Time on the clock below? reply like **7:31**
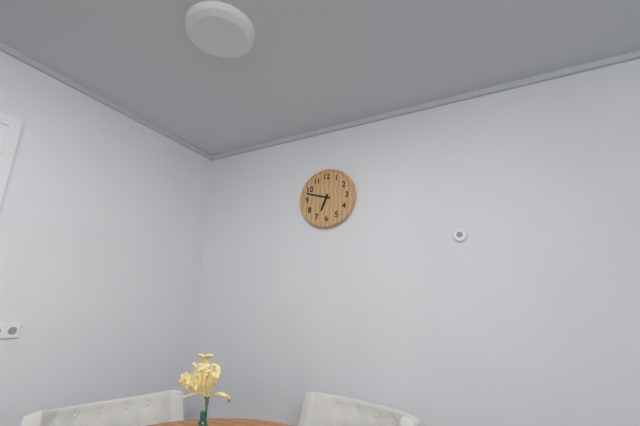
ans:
**6:48**
